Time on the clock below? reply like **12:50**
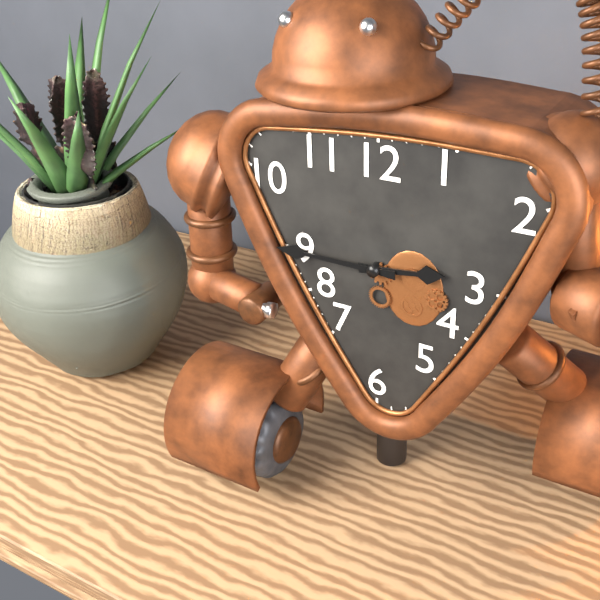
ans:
**2:45**
